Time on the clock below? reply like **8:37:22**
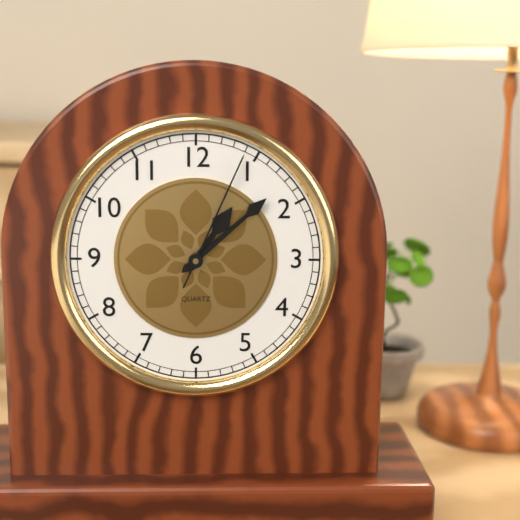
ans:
**1:08:04**
